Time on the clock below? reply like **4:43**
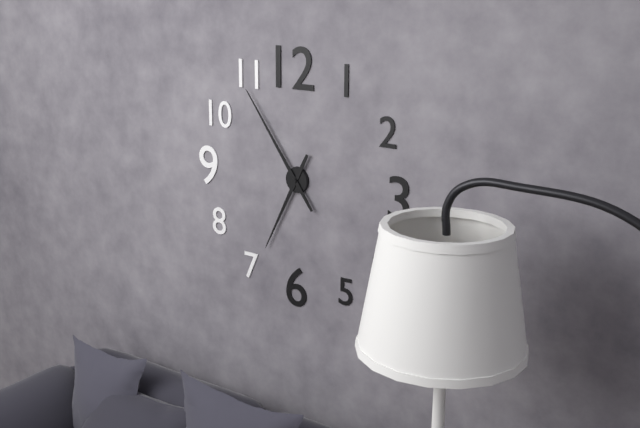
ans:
**6:54**
